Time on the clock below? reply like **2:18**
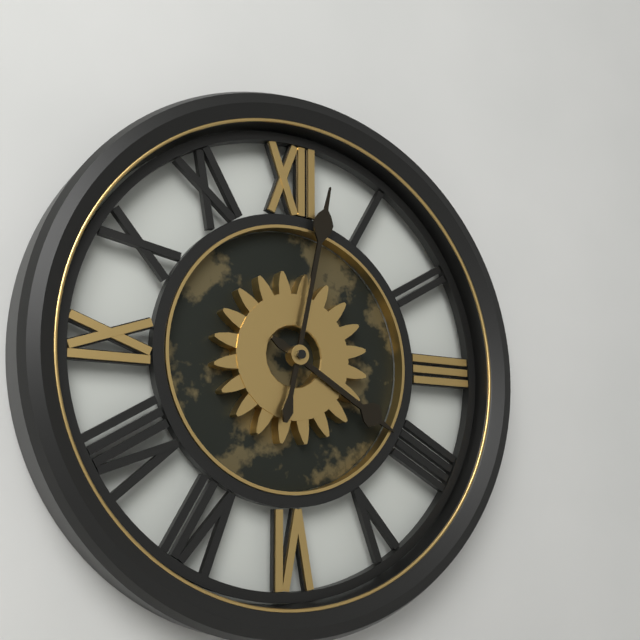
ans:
**4:02**
